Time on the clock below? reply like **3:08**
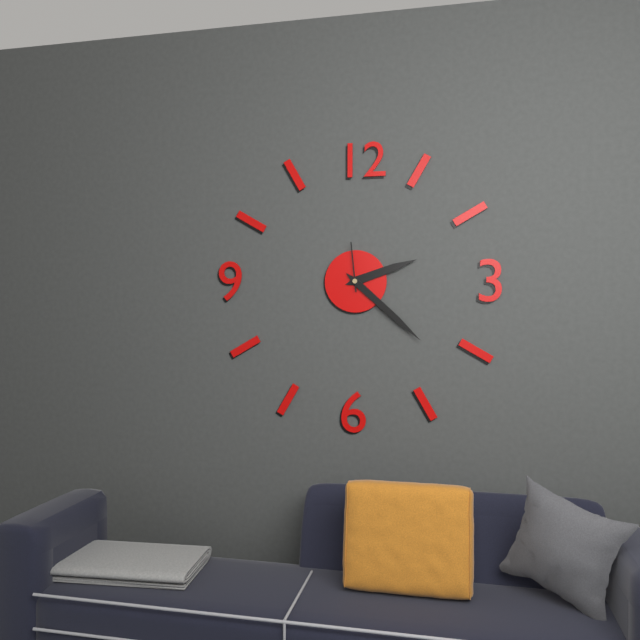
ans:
**2:22**
